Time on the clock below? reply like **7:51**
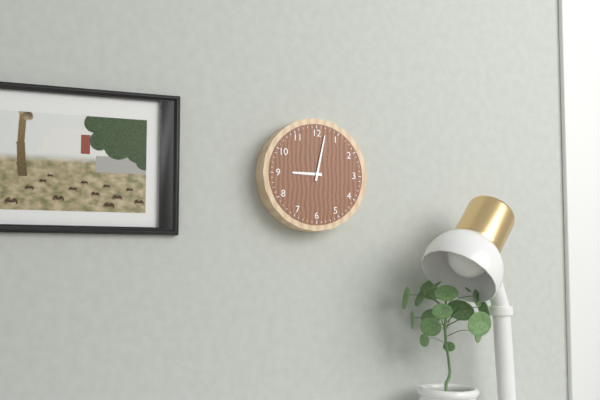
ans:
**9:02**
